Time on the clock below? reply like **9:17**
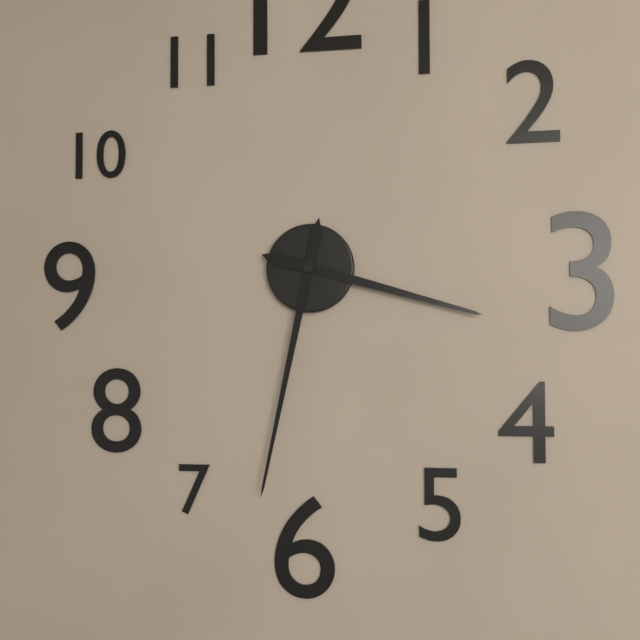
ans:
**3:32**
